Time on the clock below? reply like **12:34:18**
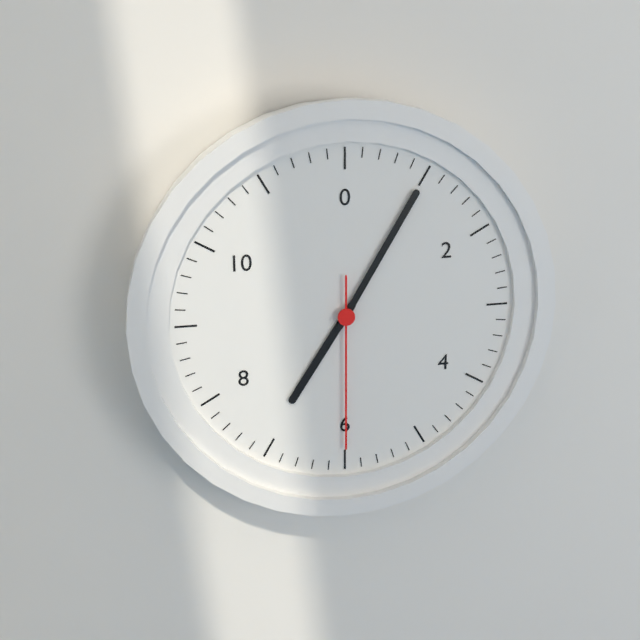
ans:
**7:05:30**
